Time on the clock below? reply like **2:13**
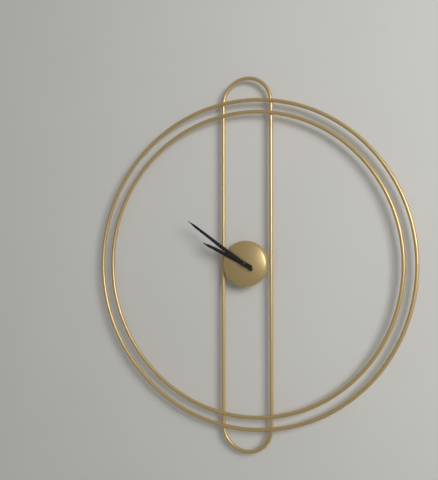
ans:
**9:51**
